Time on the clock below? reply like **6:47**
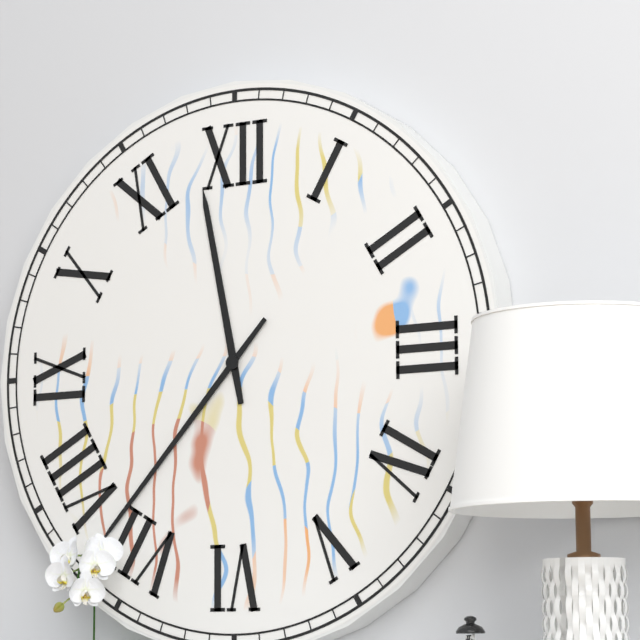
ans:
**11:37**
